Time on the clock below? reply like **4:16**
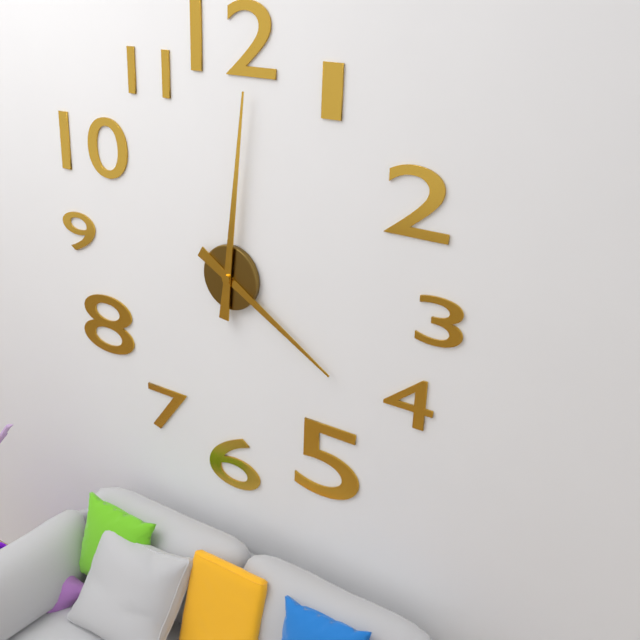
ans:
**4:01**
